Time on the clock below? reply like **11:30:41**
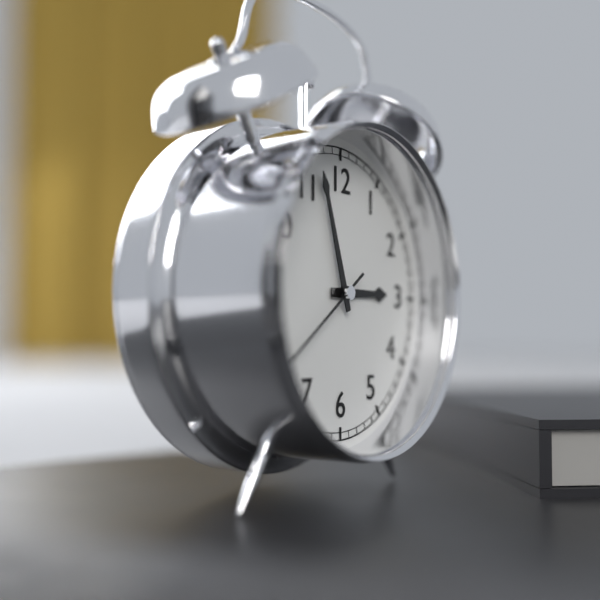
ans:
**2:57:39**
